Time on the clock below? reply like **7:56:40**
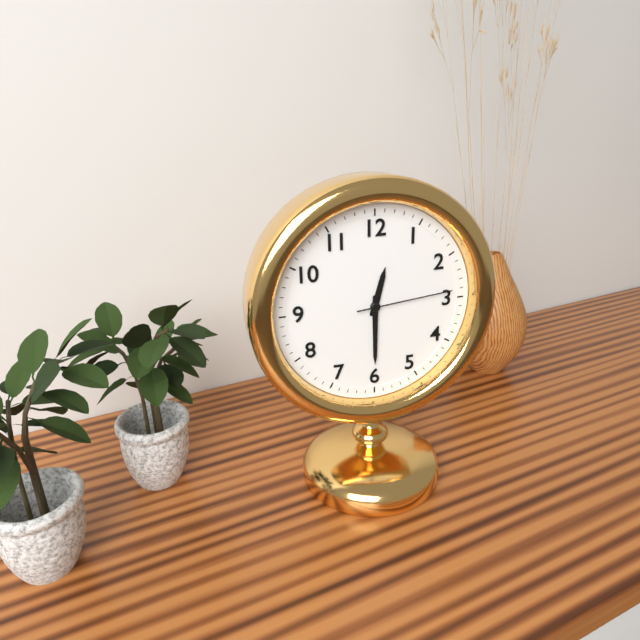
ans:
**12:30:14**
